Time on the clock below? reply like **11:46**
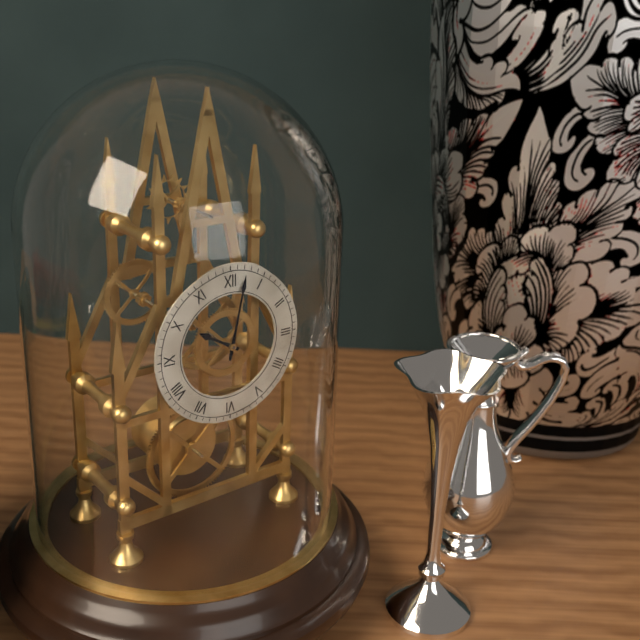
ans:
**10:02**
